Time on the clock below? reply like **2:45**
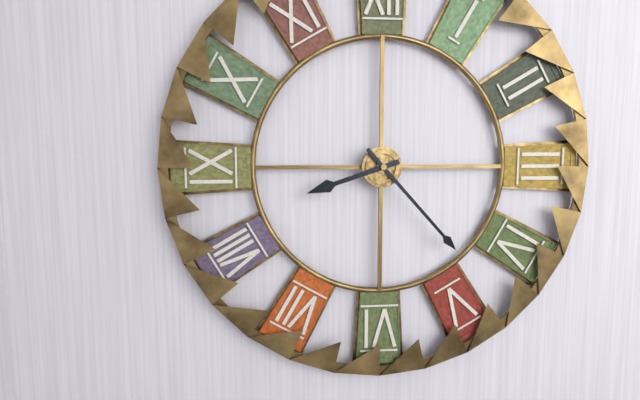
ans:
**8:23**
